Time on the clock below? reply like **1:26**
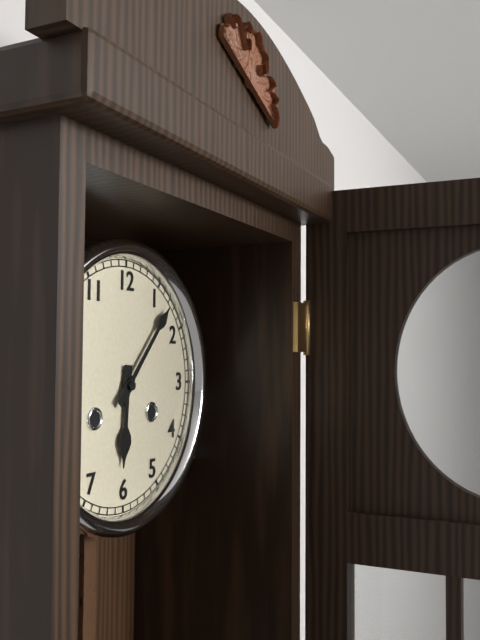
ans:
**6:07**
